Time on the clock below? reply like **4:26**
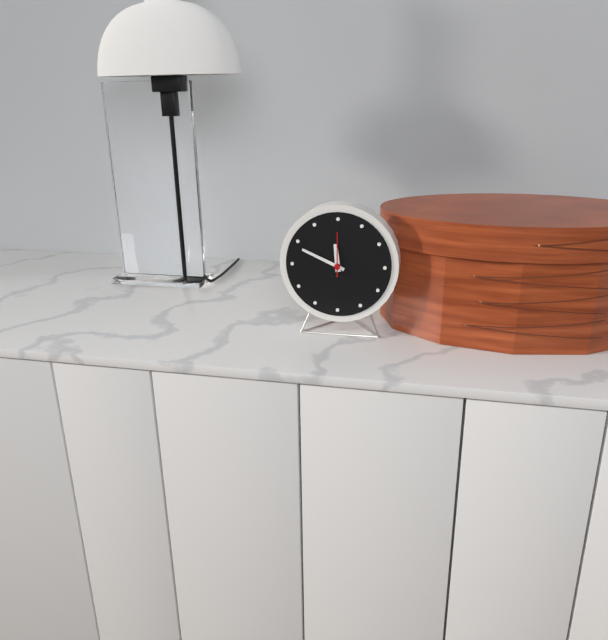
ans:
**11:49**
